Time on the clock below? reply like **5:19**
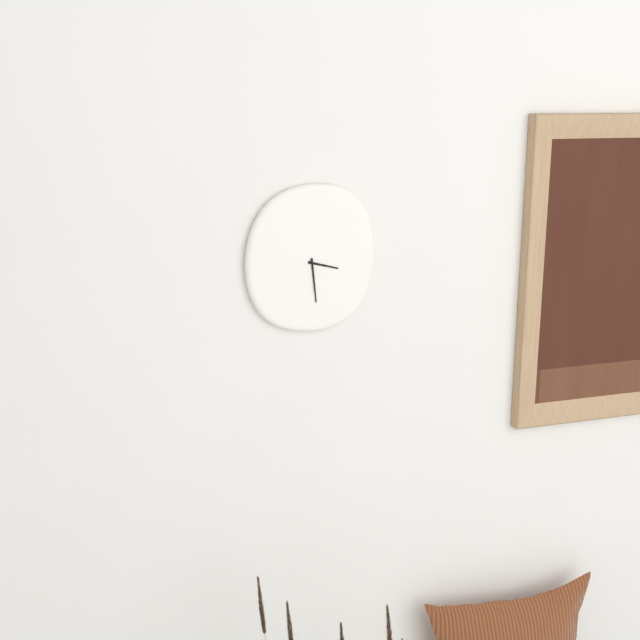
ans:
**3:29**
